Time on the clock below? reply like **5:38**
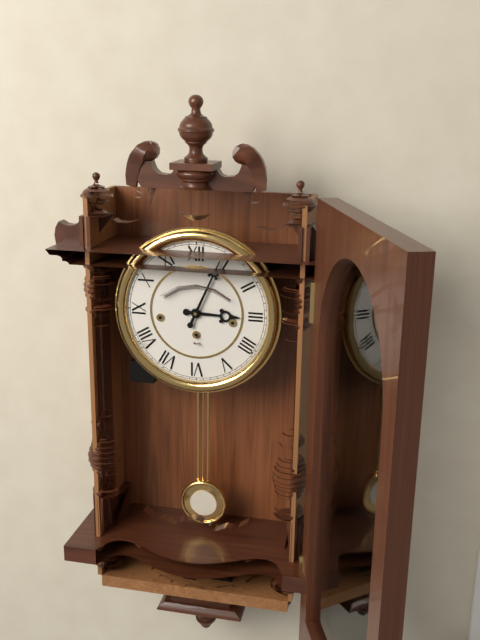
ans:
**3:04**
